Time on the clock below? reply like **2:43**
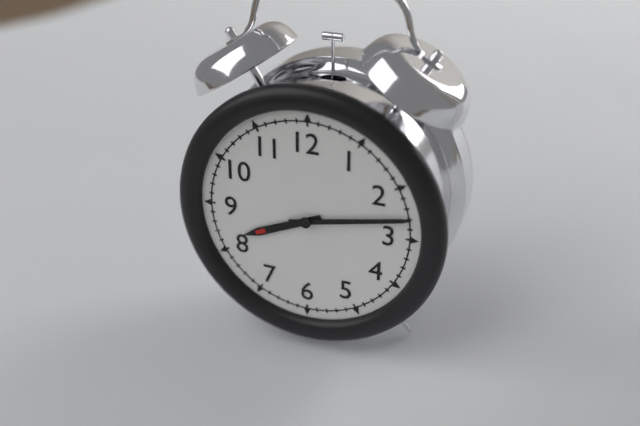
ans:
**8:13**
